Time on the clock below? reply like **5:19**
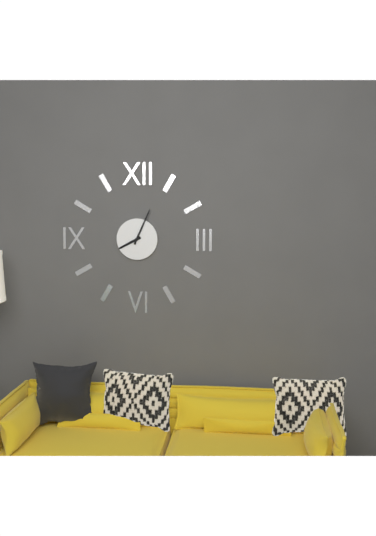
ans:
**8:04**
